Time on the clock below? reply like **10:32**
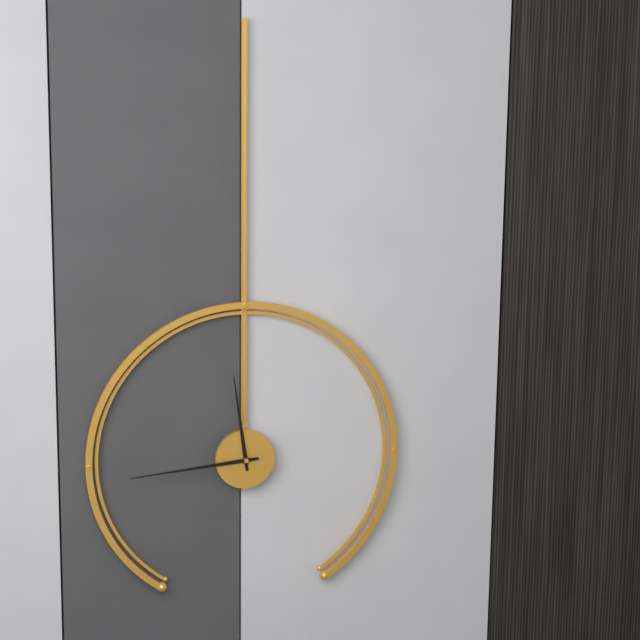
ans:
**11:44**
